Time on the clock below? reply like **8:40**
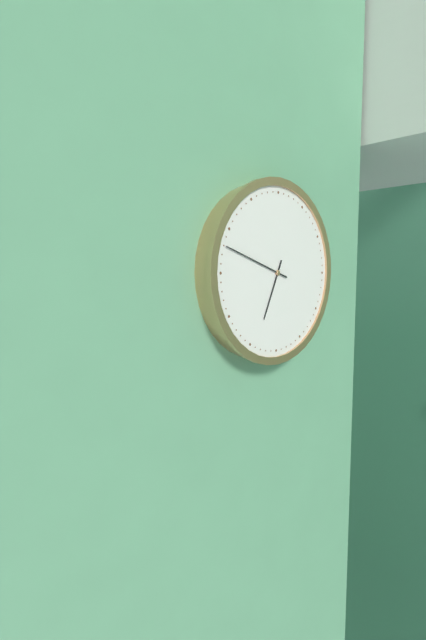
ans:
**6:48**
